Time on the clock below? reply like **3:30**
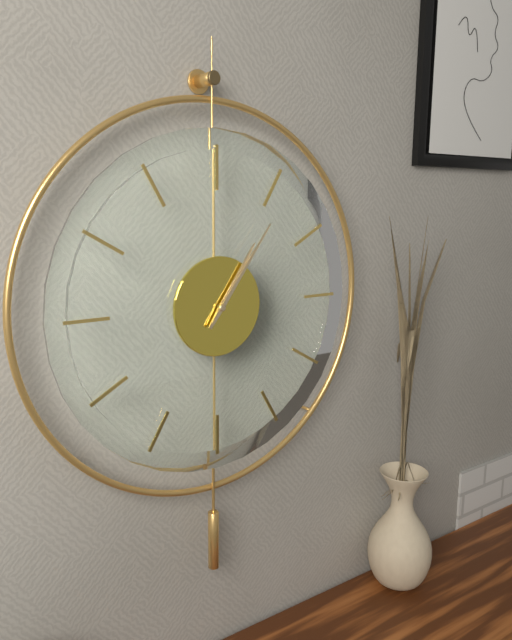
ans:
**1:06**
